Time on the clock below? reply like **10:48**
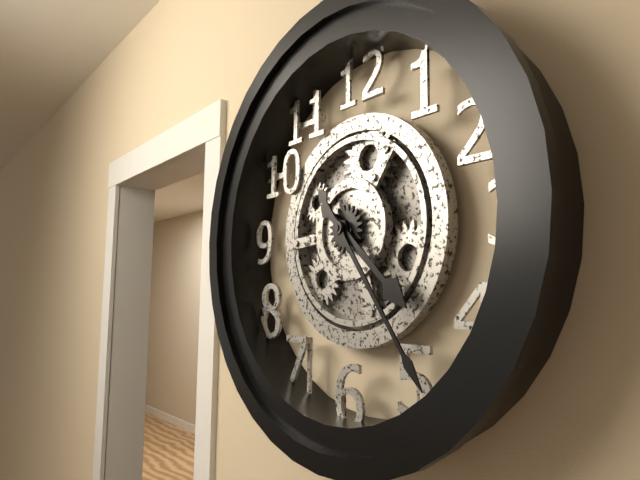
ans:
**4:24**
